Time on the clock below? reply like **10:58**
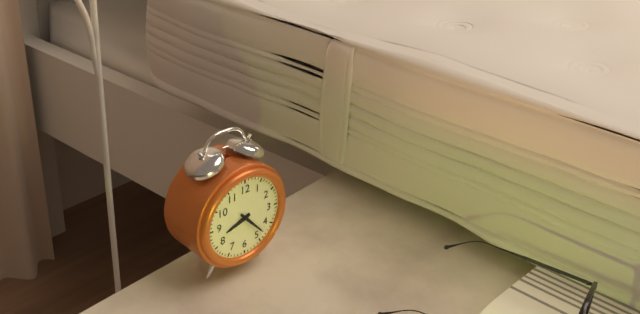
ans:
**8:23**
